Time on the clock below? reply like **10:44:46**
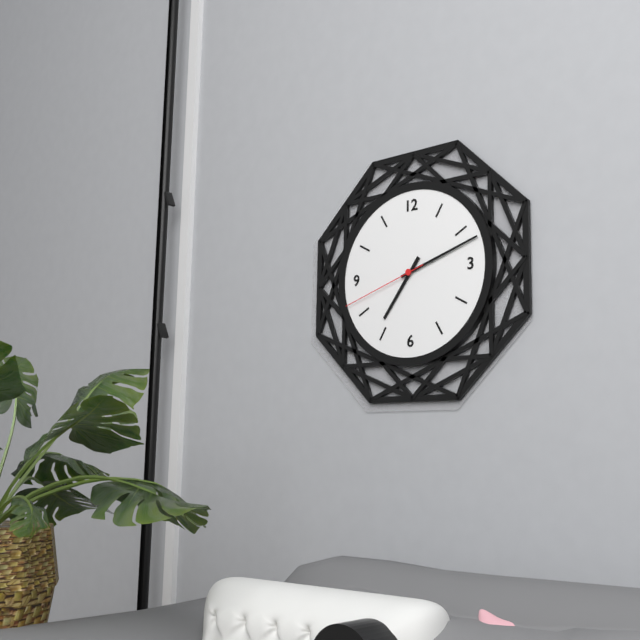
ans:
**7:12:42**
